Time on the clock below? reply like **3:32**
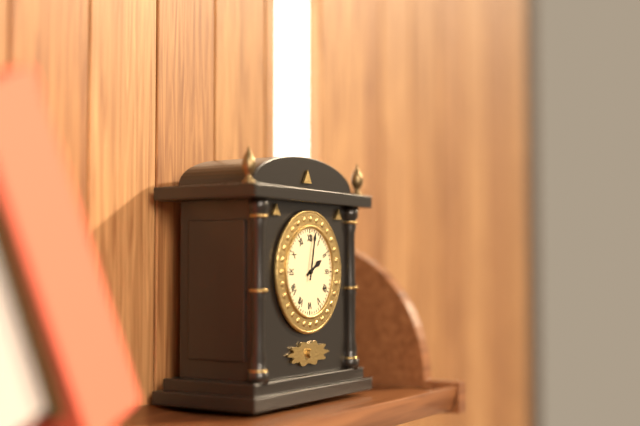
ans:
**2:02**
